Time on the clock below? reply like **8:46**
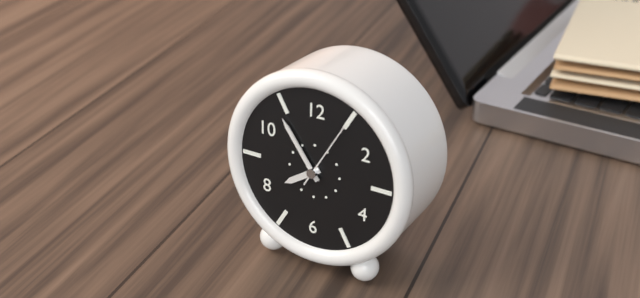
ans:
**7:54**
